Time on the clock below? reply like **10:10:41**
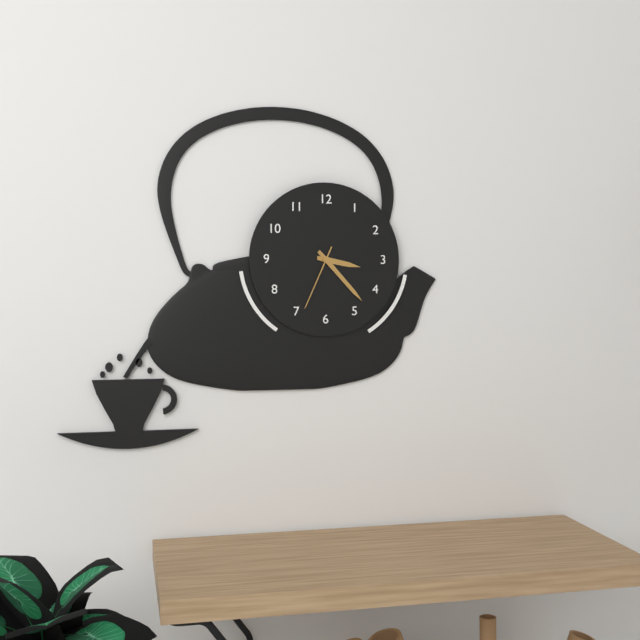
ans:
**3:23:34**
